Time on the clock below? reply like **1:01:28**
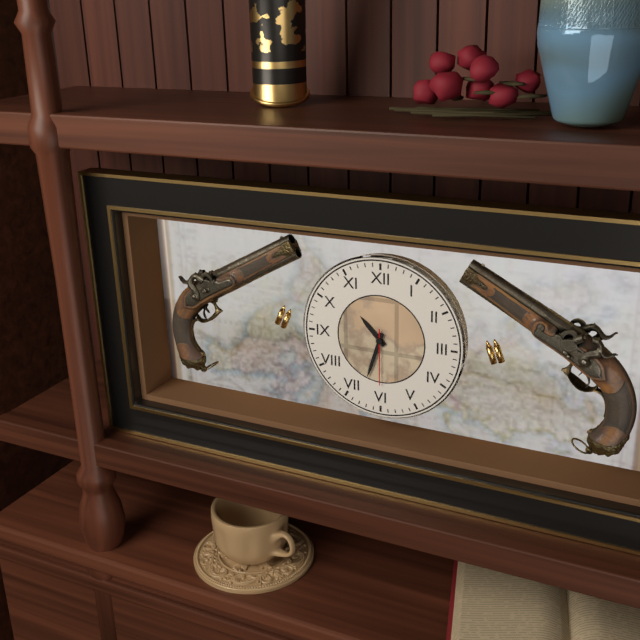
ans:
**10:33:30**
